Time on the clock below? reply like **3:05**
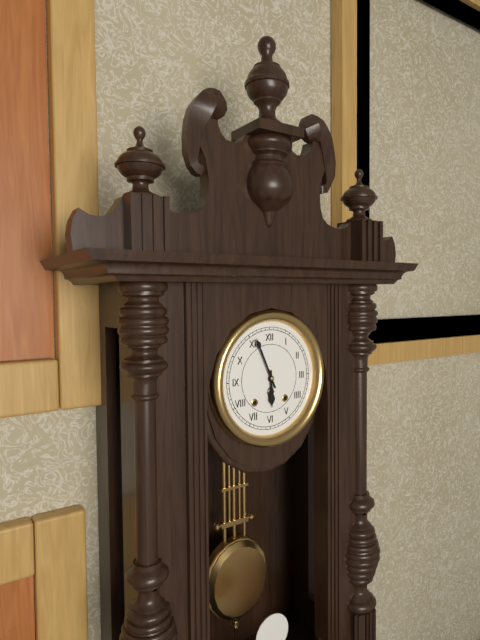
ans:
**5:56**
